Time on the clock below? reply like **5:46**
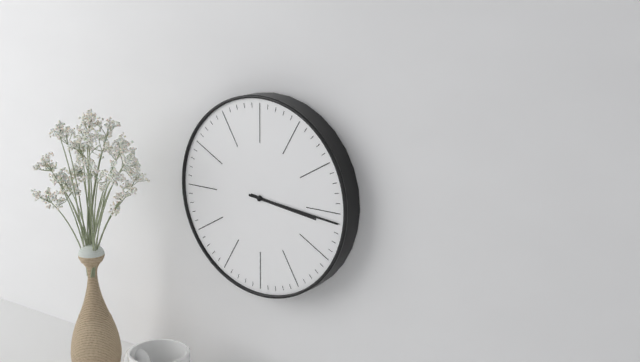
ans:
**3:16**
